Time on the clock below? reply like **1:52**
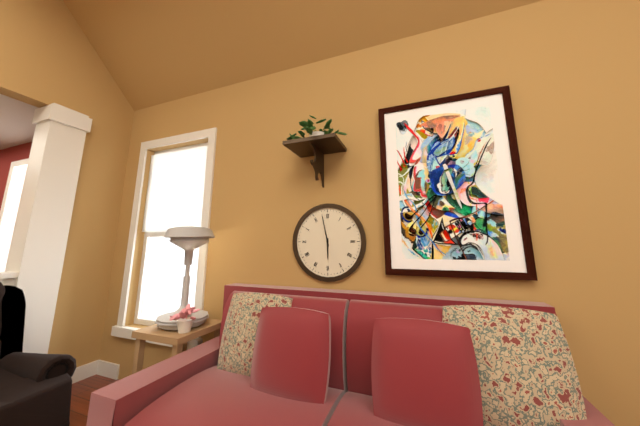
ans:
**5:58**
